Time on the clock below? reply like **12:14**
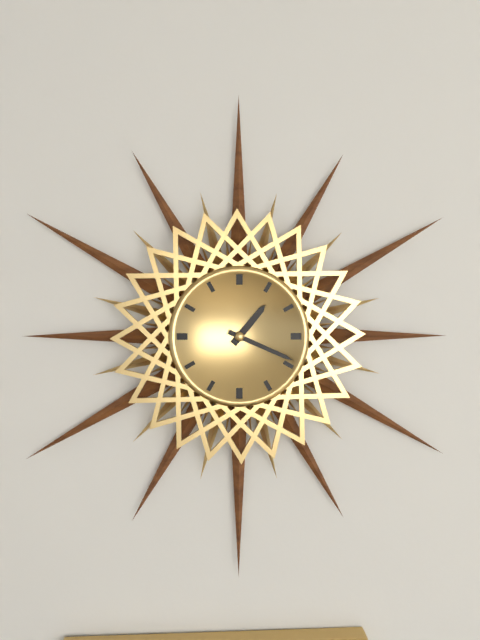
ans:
**1:19**
